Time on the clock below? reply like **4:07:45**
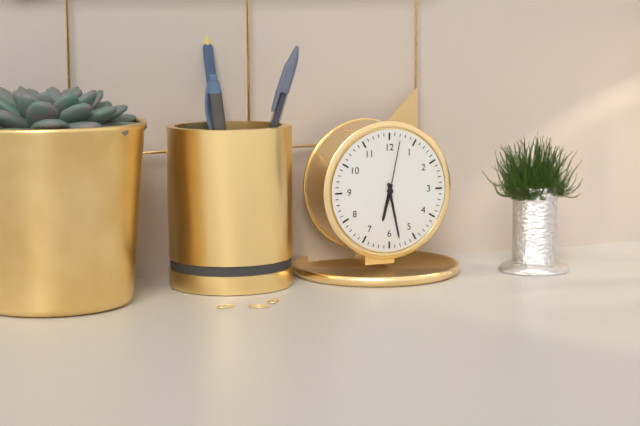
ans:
**6:28:02**
